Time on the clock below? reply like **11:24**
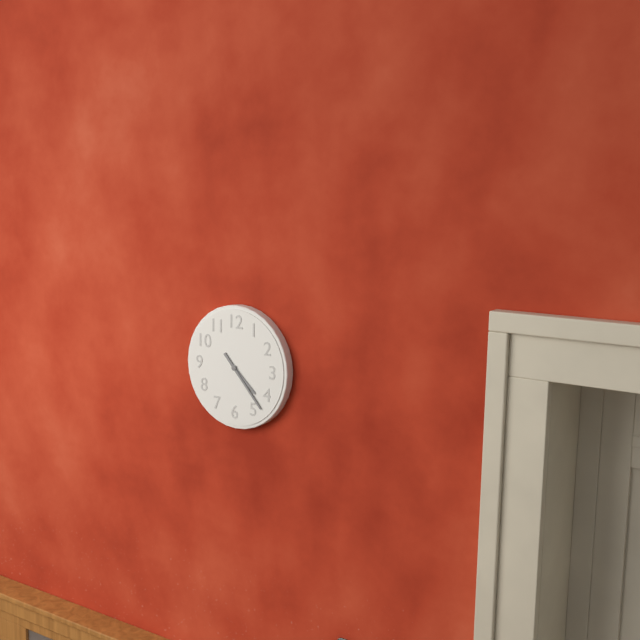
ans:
**4:23**
